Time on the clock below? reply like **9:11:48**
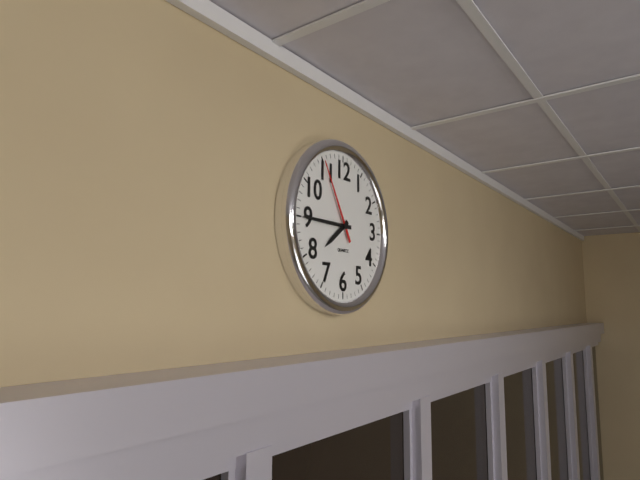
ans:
**7:45:55**
